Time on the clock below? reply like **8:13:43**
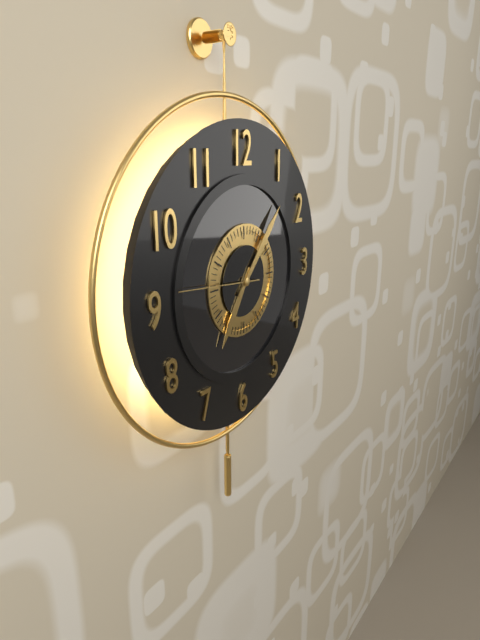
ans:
**7:07:46**
